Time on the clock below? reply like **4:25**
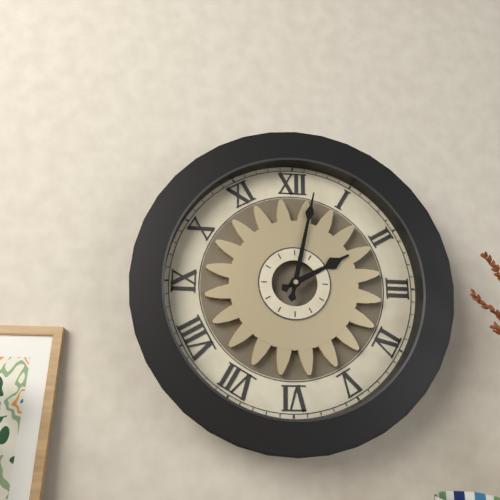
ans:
**2:02**
